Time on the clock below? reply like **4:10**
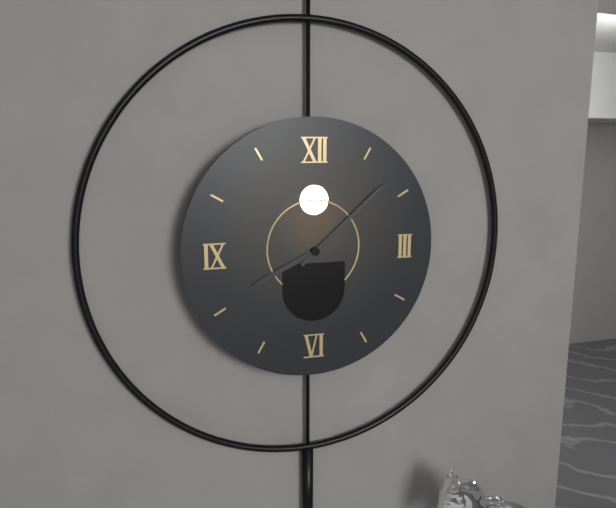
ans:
**8:08**
